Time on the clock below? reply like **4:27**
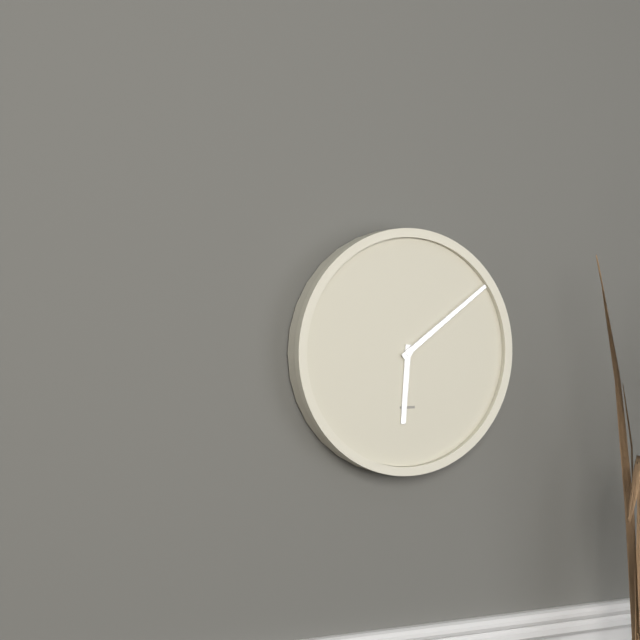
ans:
**6:09**
